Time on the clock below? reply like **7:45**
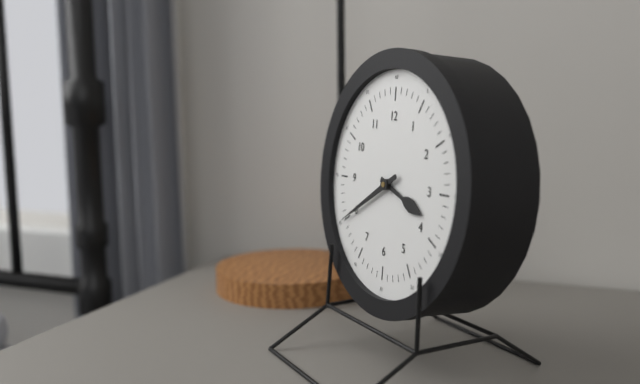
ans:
**3:40**
